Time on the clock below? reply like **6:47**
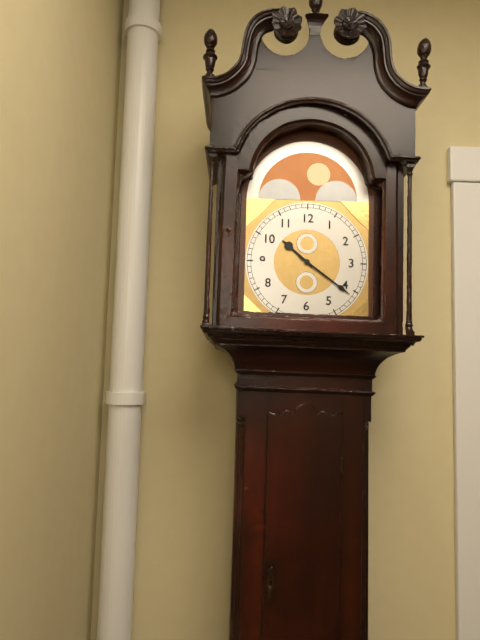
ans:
**10:21**
